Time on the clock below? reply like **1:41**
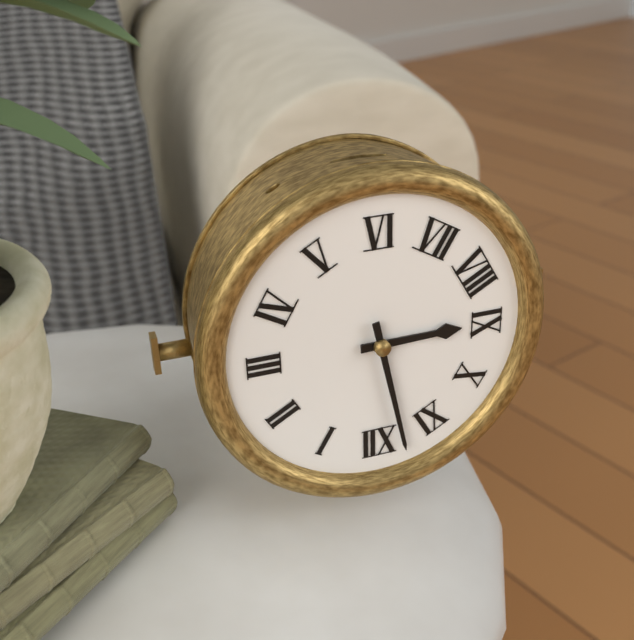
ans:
**8:58**
